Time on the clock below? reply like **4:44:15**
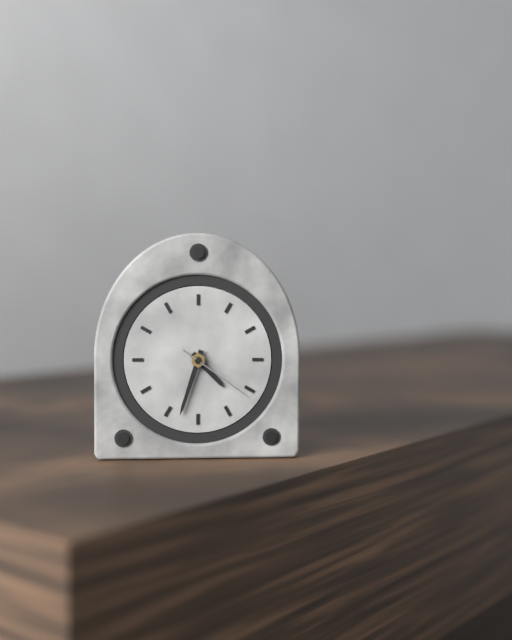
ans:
**4:33:21**
